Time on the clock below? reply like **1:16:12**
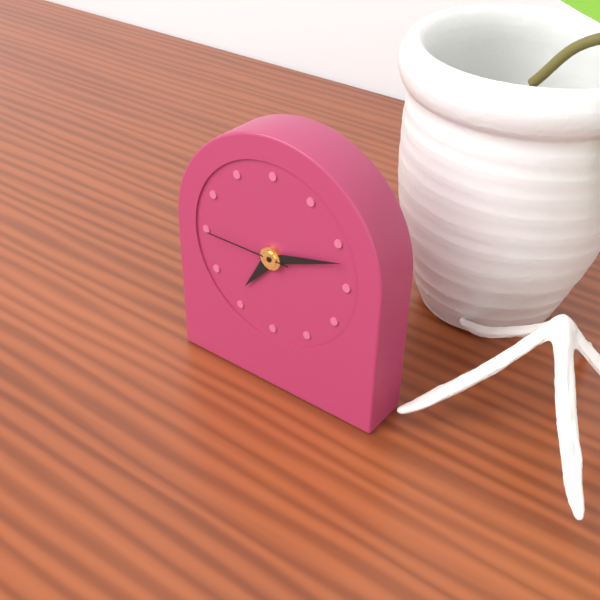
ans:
**7:12:45**
